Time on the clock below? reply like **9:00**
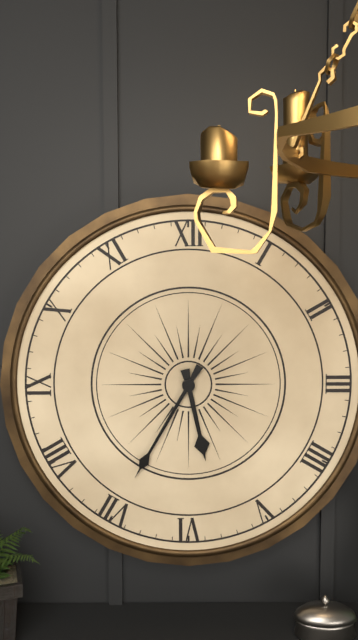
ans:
**5:35**
